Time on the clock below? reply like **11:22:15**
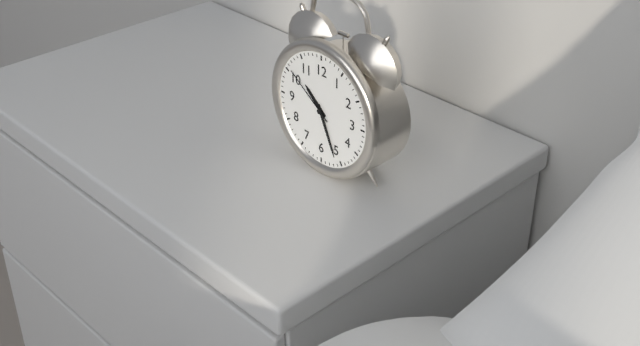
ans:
**10:26:51**
